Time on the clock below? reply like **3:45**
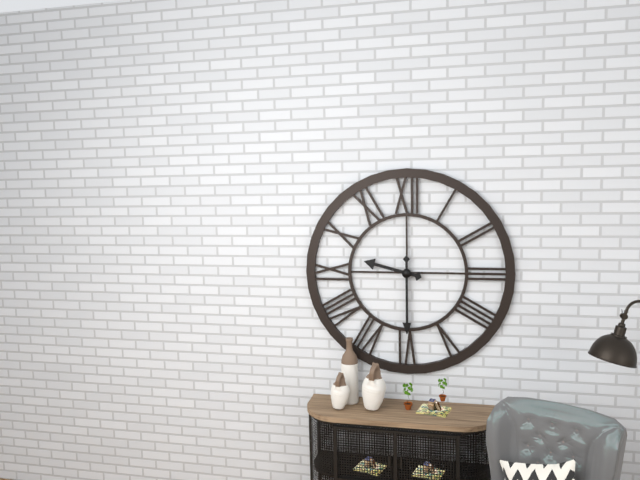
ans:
**9:30**
